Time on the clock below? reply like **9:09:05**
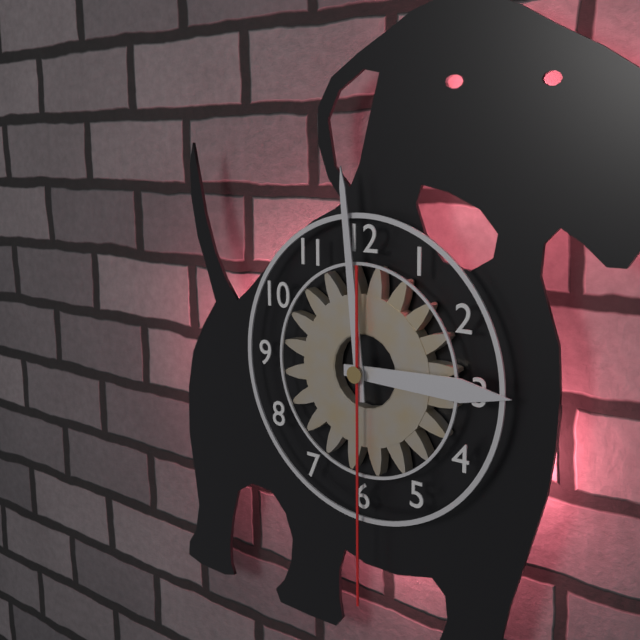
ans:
**2:59:30**
